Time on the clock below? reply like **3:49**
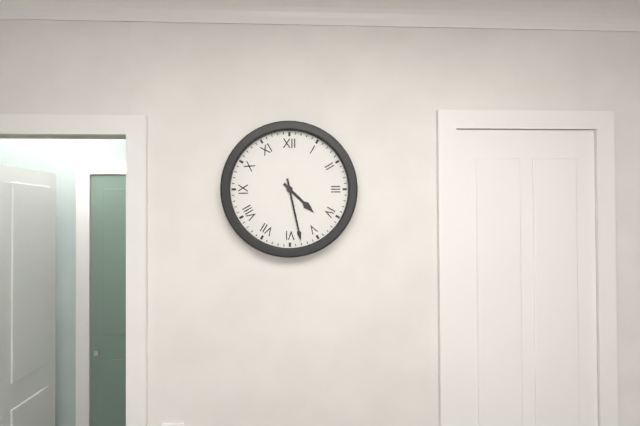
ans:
**4:28**
